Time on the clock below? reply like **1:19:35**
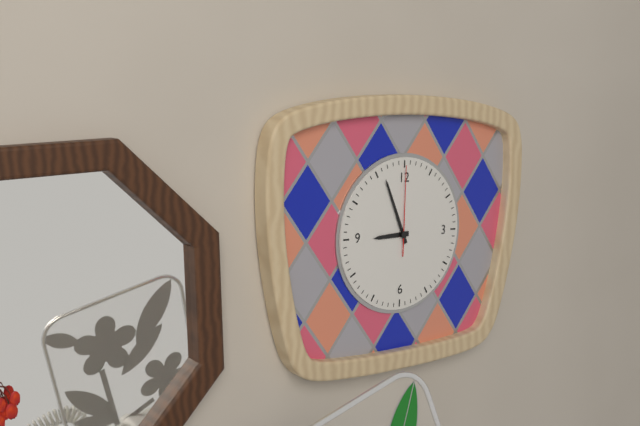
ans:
**8:56:00**
